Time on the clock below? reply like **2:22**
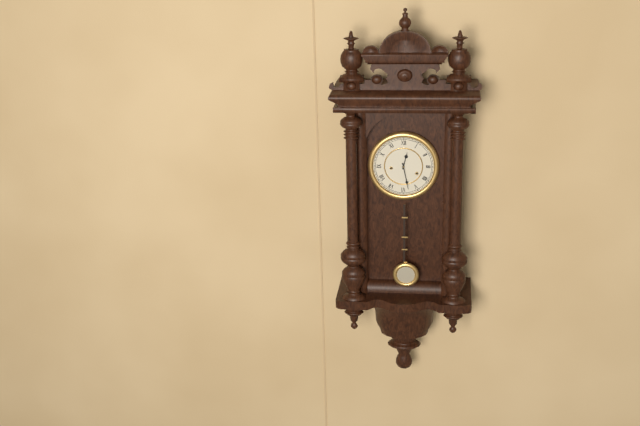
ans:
**12:28**
